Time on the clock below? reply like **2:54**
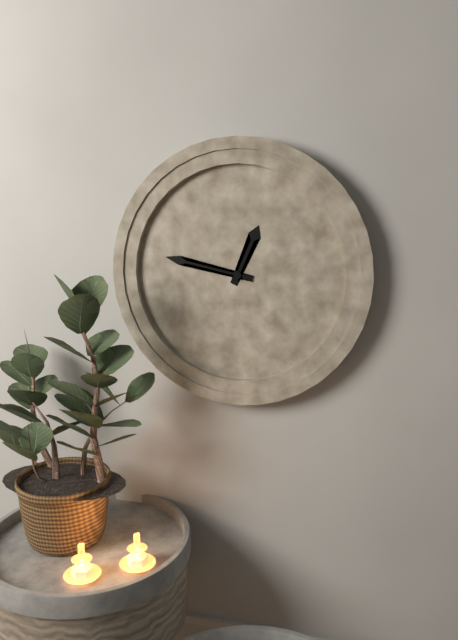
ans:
**12:47**
